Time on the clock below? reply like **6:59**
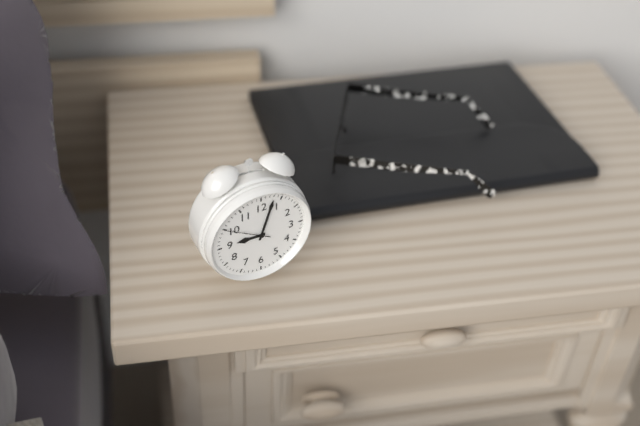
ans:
**9:03**
